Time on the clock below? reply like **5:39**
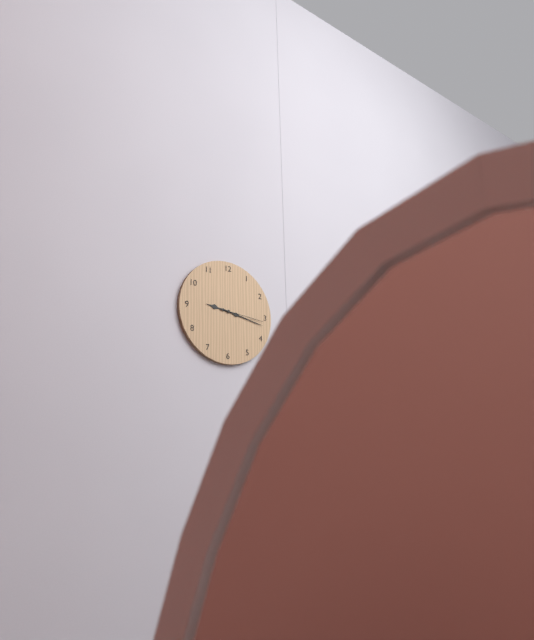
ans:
**9:17**
